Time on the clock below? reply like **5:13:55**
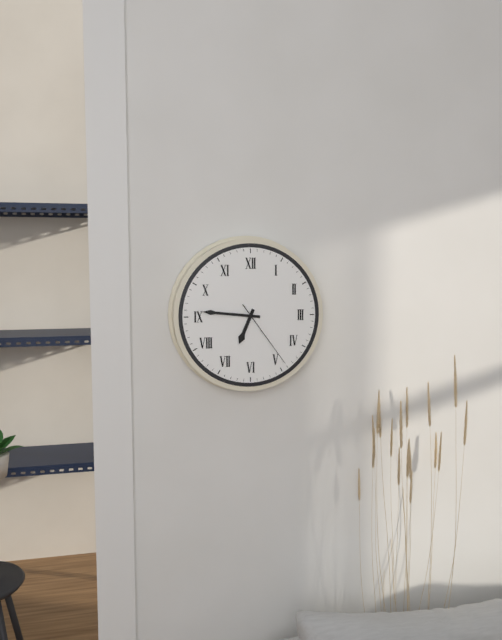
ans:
**6:46:24**
